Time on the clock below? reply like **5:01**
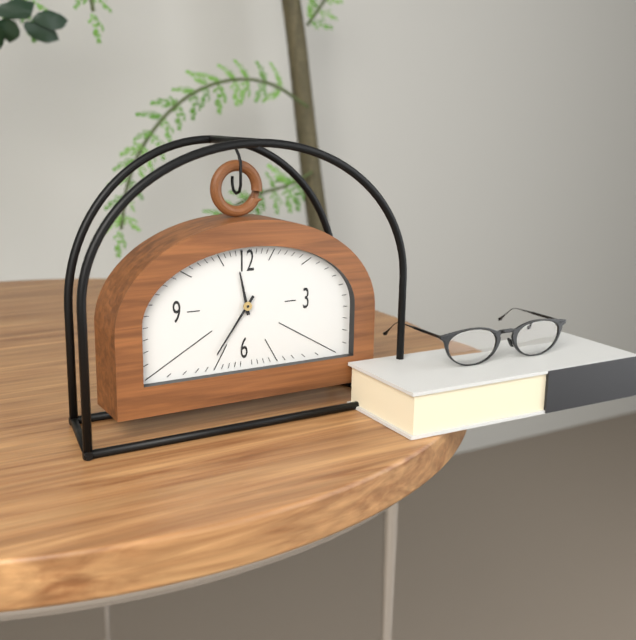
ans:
**11:36**
